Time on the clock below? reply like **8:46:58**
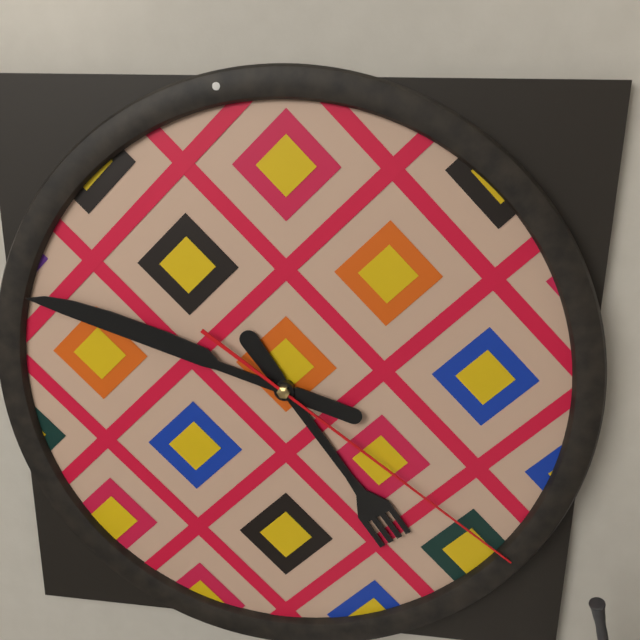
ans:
**4:48:21**
